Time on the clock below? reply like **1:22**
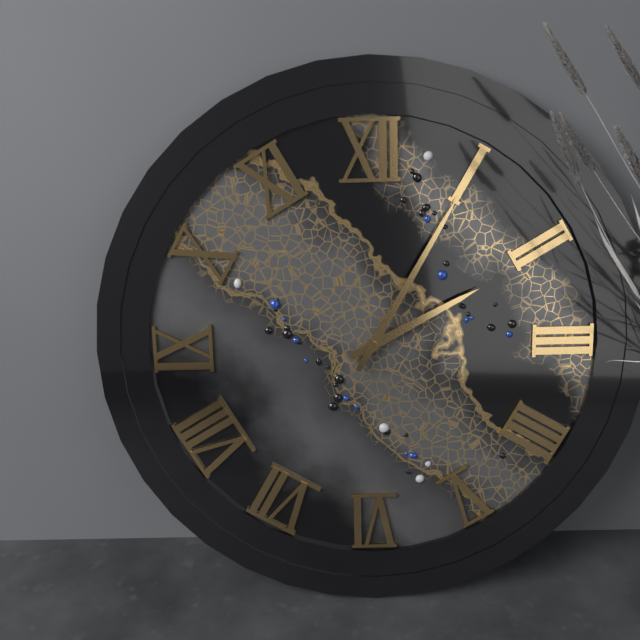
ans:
**2:05**
